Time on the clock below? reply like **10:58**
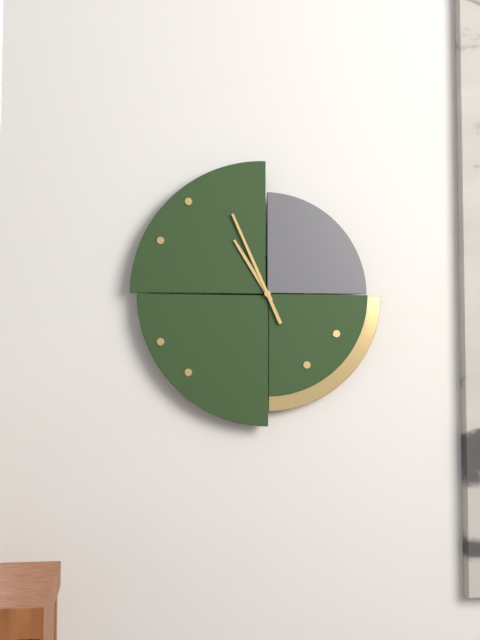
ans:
**10:56**
